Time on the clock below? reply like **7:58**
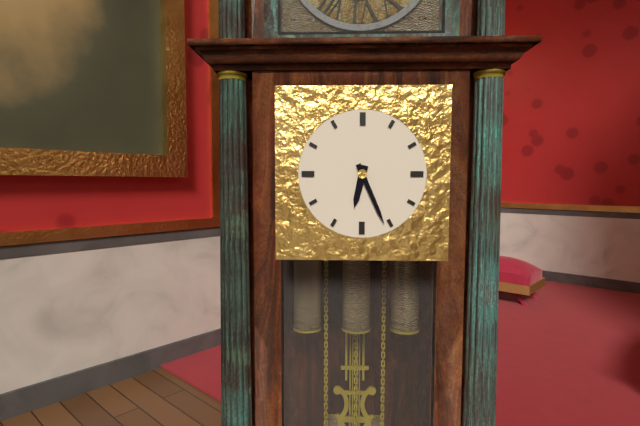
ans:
**6:26**
